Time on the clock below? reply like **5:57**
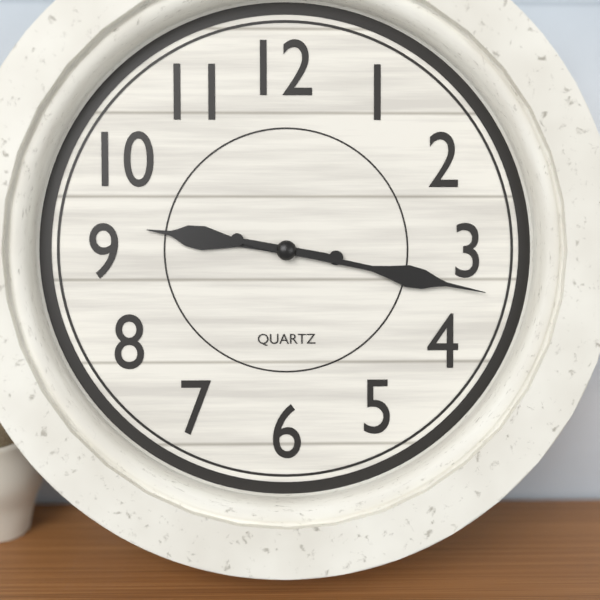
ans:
**9:17**
